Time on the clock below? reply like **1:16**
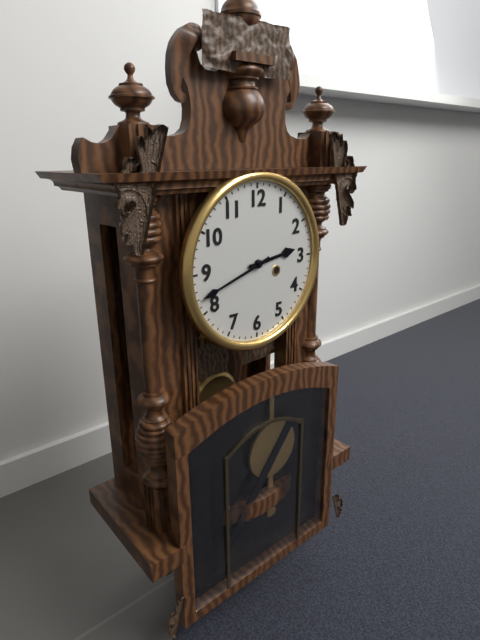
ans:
**2:42**
